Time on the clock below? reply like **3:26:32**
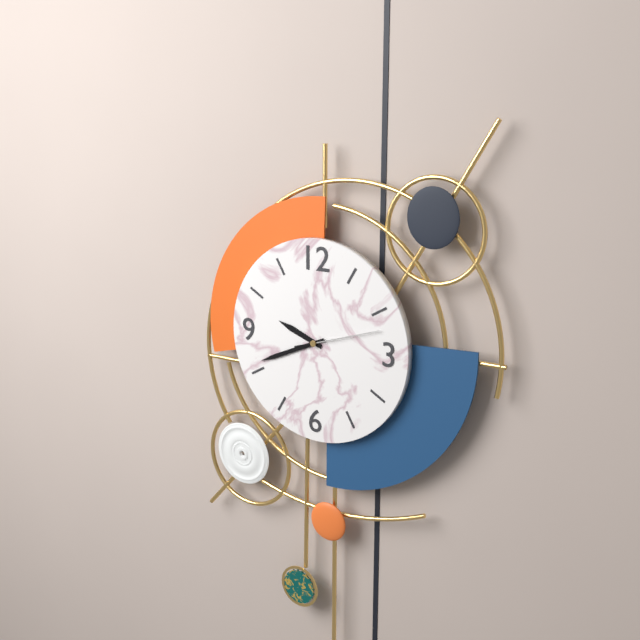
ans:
**9:41:12**
